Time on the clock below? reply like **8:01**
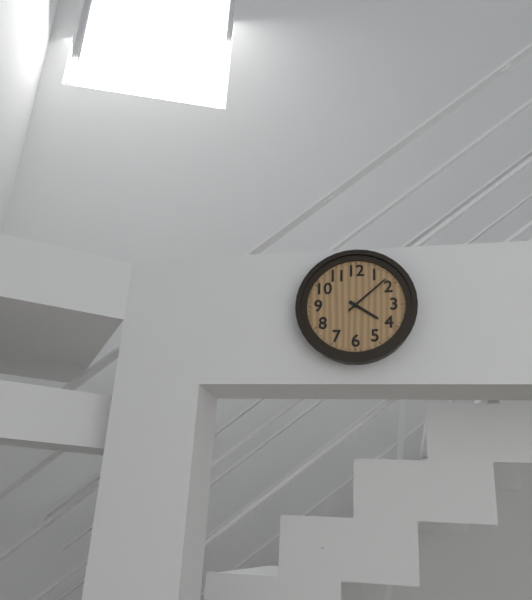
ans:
**4:08**
